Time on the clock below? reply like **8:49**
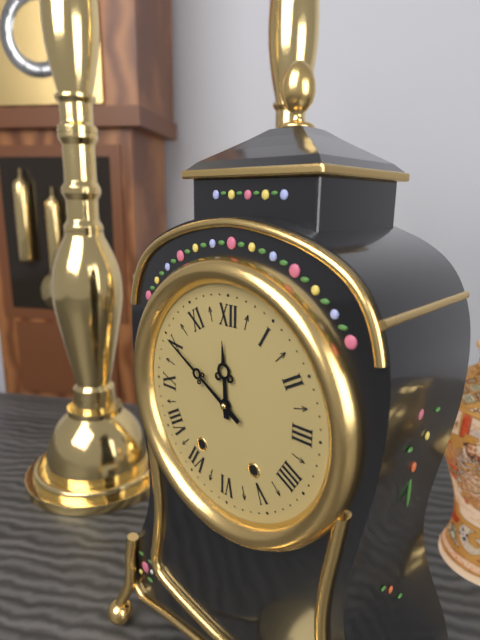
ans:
**11:50**
